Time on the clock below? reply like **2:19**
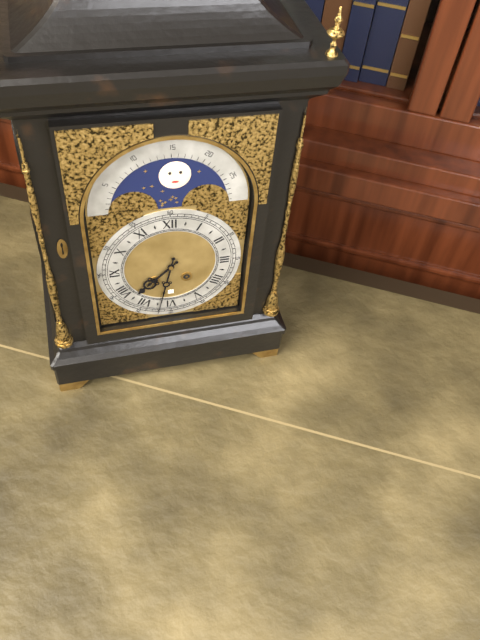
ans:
**7:32**
